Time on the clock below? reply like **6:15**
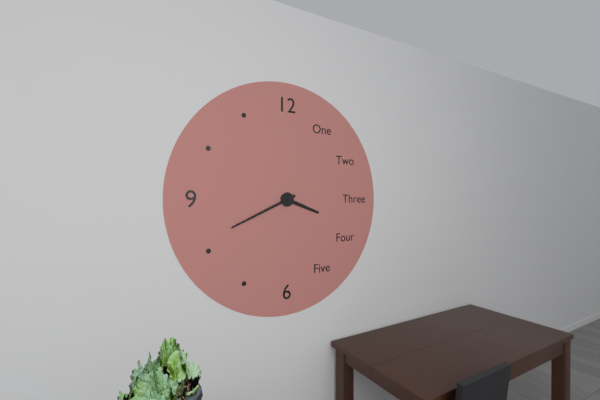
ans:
**3:41**
